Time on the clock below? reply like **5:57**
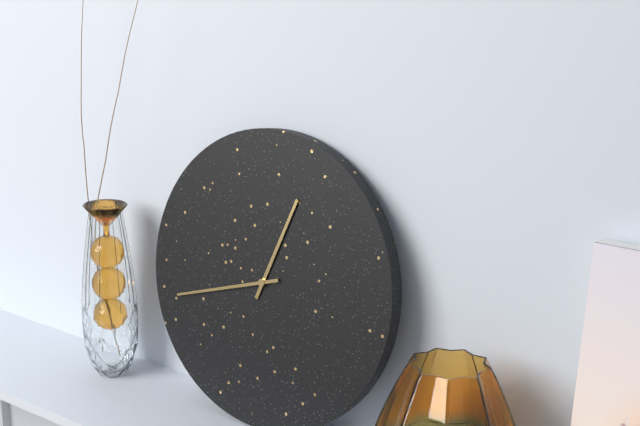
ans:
**12:42**
